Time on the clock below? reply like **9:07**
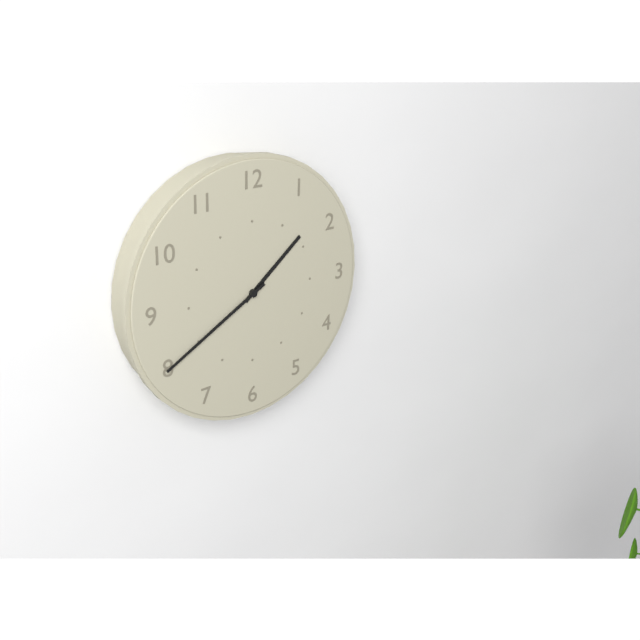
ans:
**1:40**
